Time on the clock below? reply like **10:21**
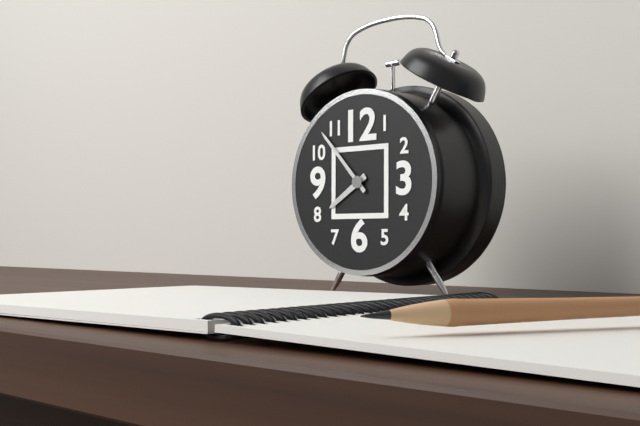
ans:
**7:53**
